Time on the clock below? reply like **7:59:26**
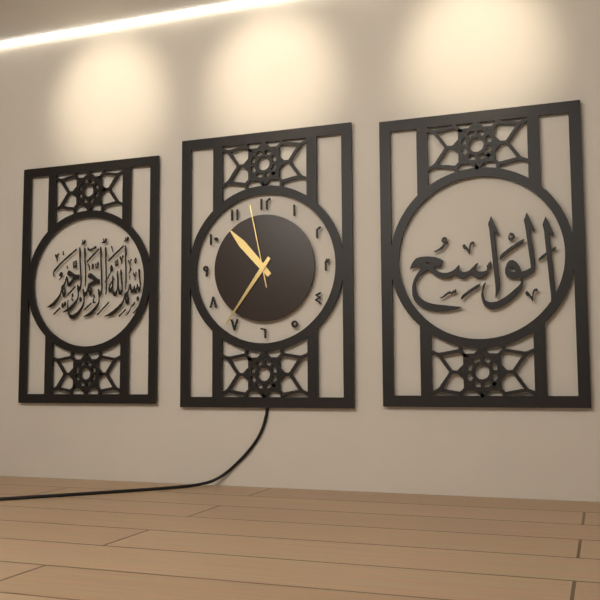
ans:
**10:36:58**
